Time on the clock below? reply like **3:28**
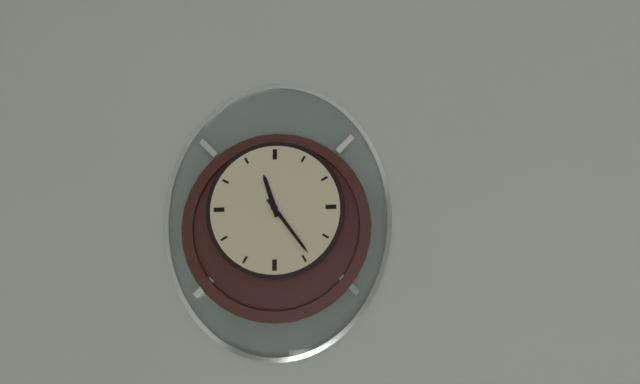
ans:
**11:24**
